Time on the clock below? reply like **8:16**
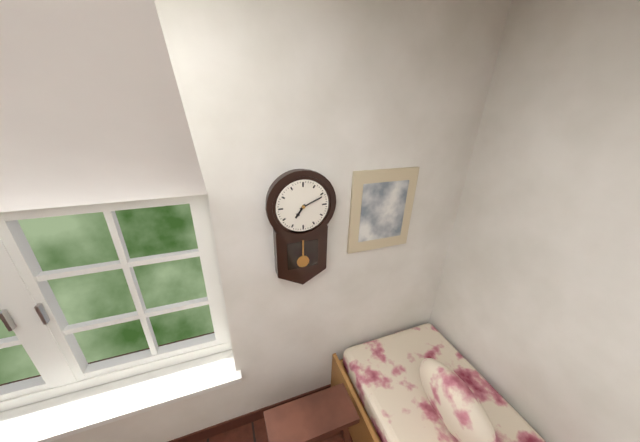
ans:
**7:11**
